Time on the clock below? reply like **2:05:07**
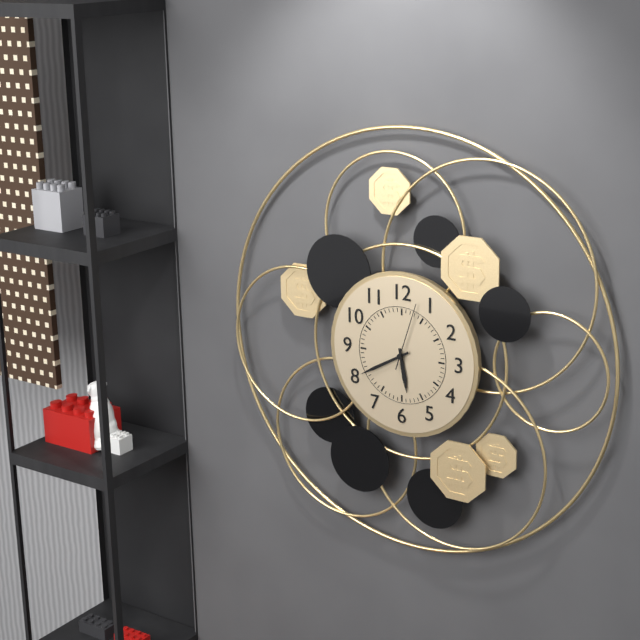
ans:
**5:40:03**
